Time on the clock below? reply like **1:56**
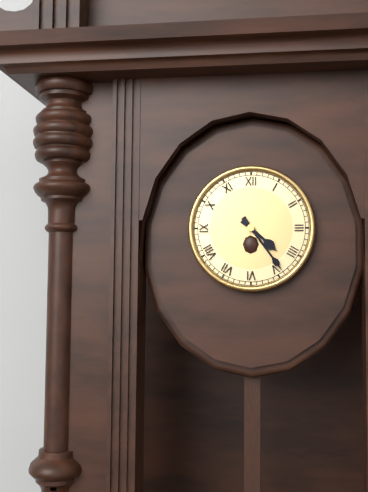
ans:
**4:24**
